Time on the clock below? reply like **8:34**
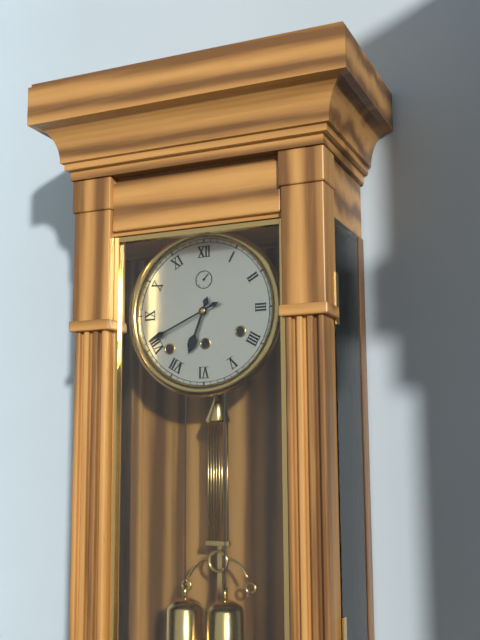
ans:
**6:41**
